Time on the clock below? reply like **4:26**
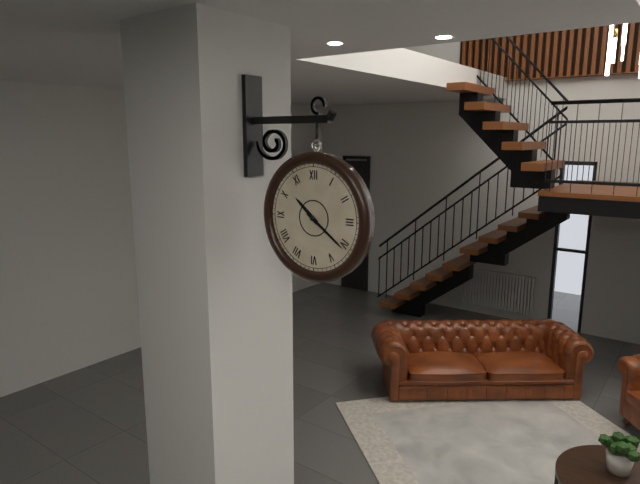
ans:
**10:21**
